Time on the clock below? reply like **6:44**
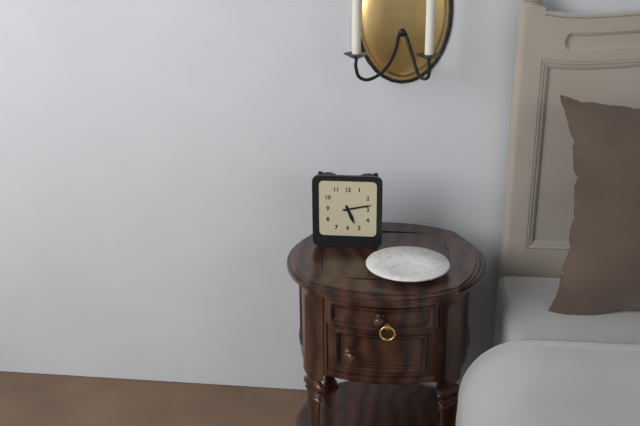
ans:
**5:13**
